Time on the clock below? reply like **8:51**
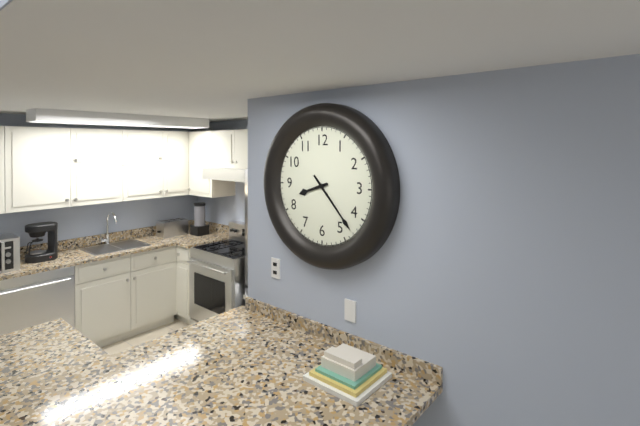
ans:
**8:23**
